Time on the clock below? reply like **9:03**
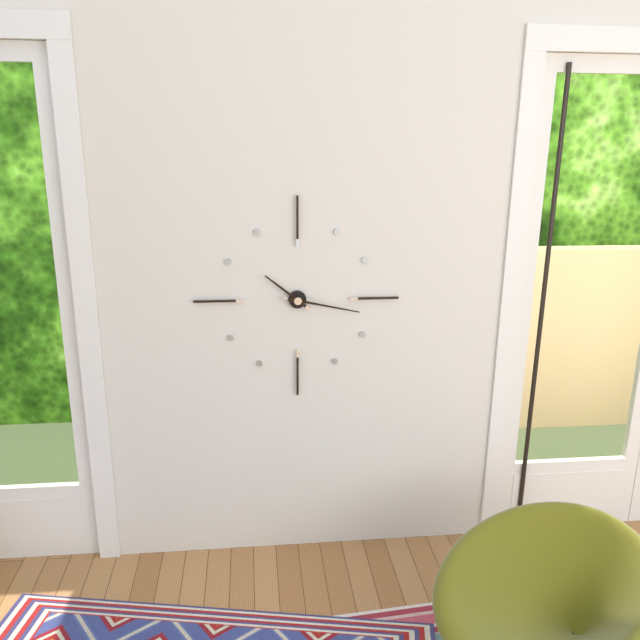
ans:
**10:17**
